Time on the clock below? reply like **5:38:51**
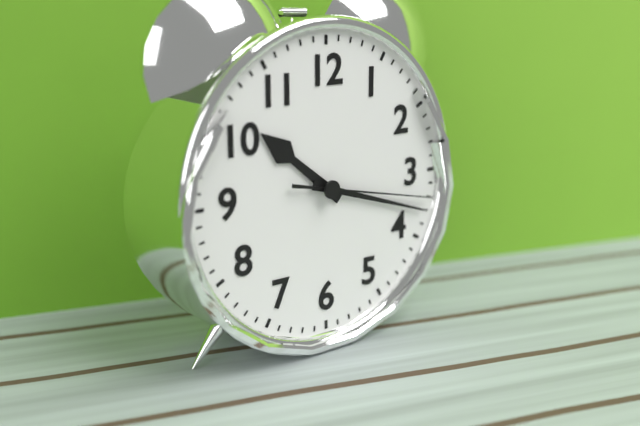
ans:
**10:18:17**
